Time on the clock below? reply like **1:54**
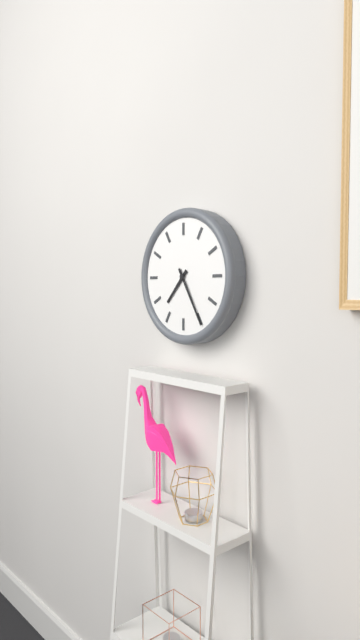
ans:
**7:25**
